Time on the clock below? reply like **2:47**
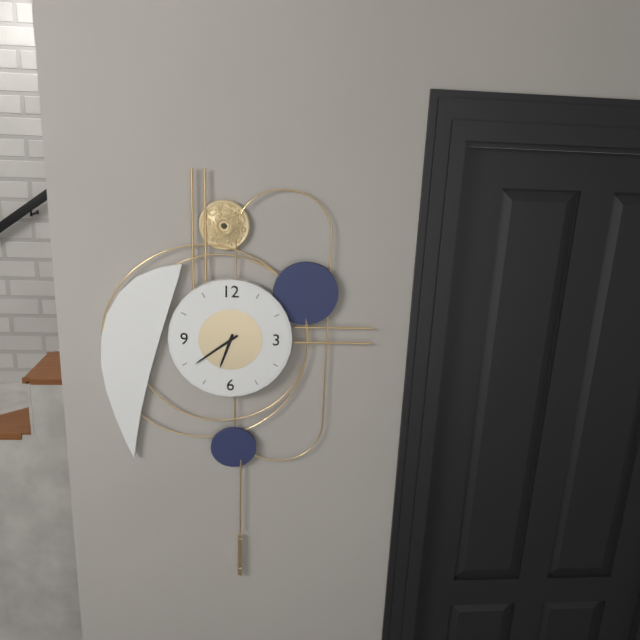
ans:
**6:39**
